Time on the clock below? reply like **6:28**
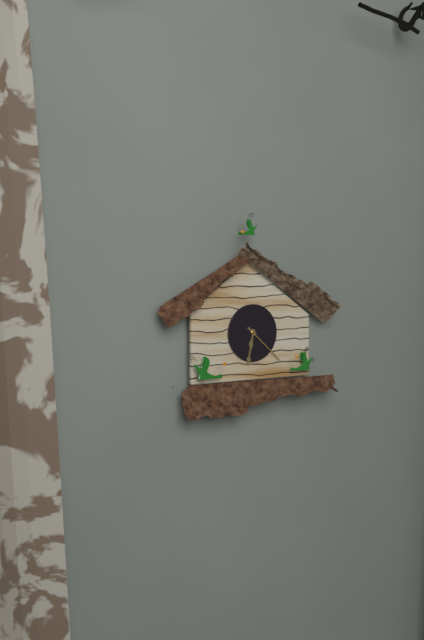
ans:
**6:22**
